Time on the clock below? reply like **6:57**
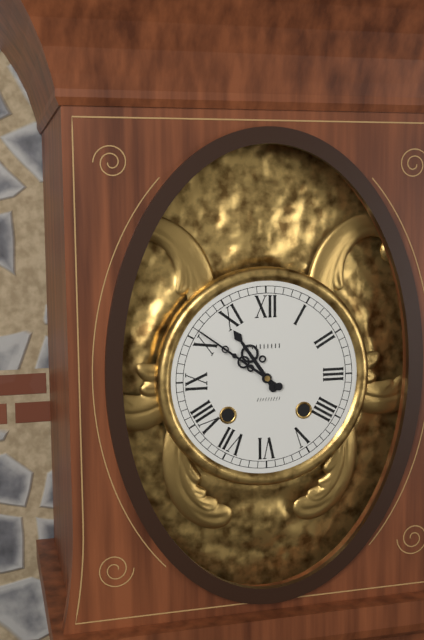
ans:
**10:51**
